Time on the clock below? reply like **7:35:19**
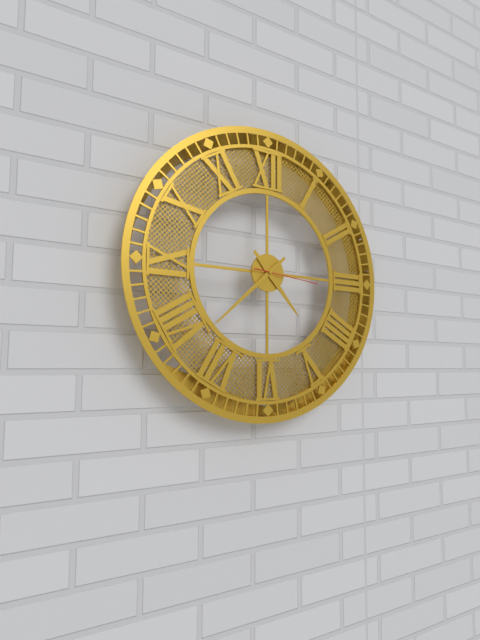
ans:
**4:38:16**
